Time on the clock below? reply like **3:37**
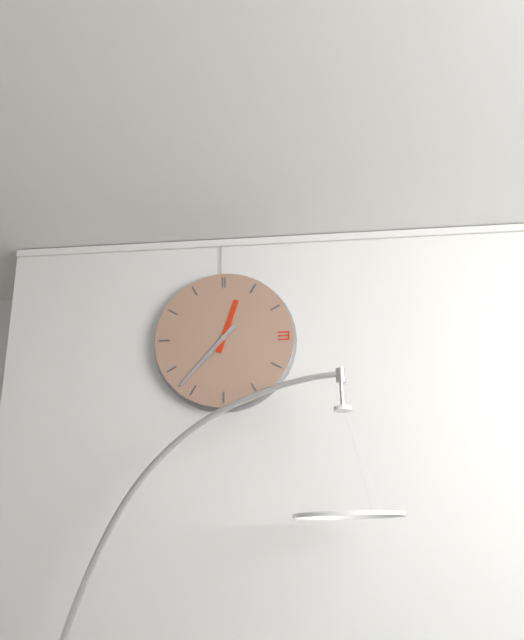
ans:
**12:37**
